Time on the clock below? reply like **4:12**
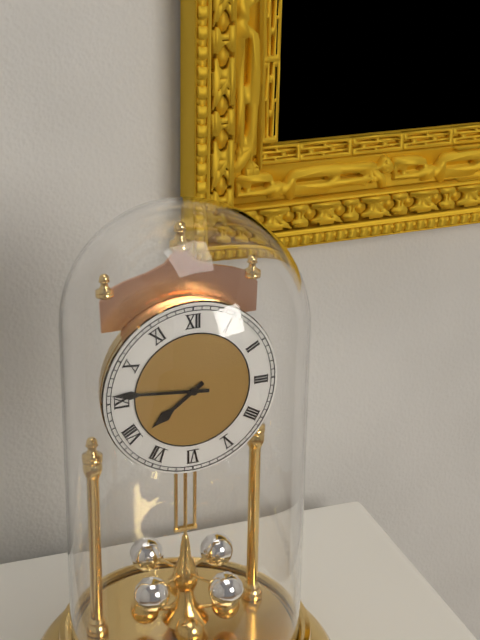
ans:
**7:46**
